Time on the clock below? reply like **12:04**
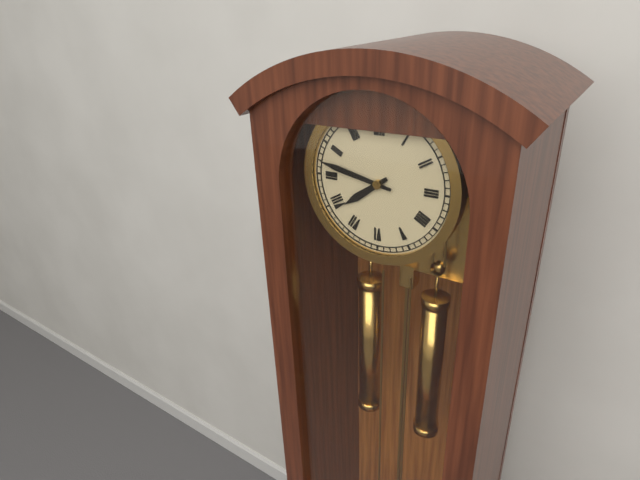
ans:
**7:47**
